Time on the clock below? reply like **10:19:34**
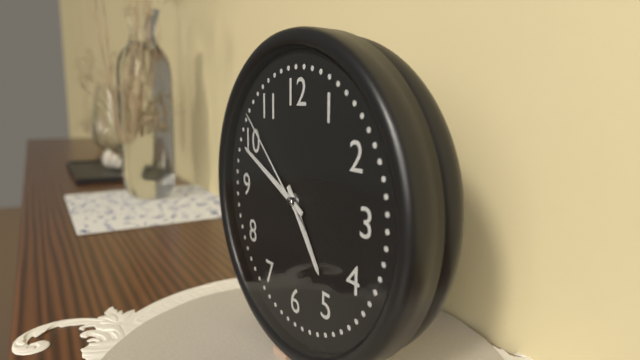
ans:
**4:49:52**
